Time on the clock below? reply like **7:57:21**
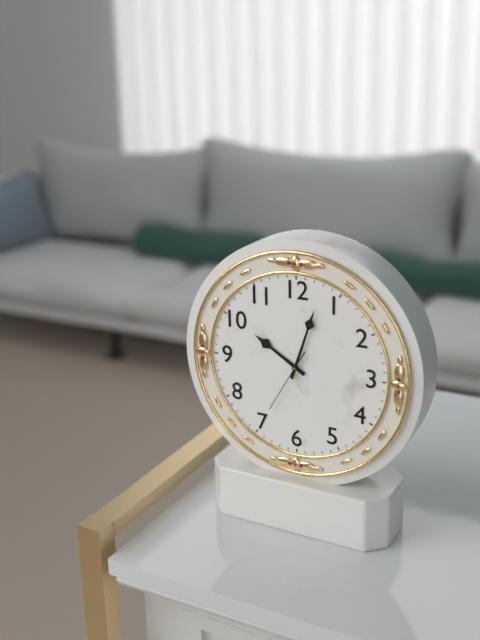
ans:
**10:03:35**
